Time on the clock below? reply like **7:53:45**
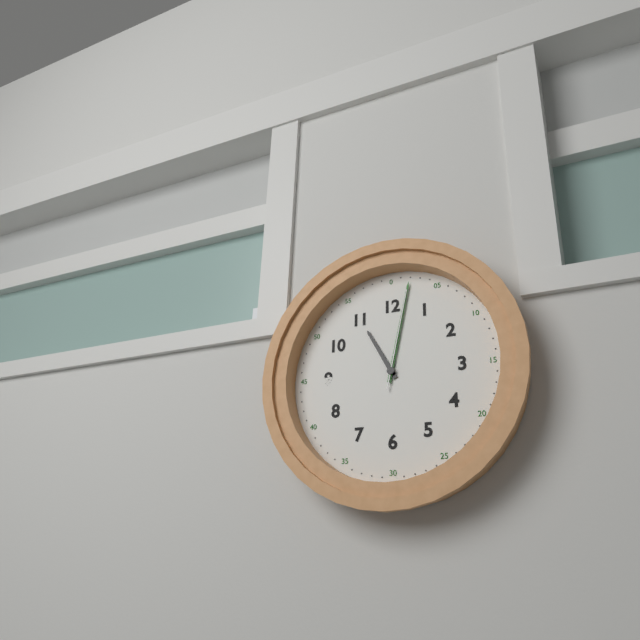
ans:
**11:02:02**
